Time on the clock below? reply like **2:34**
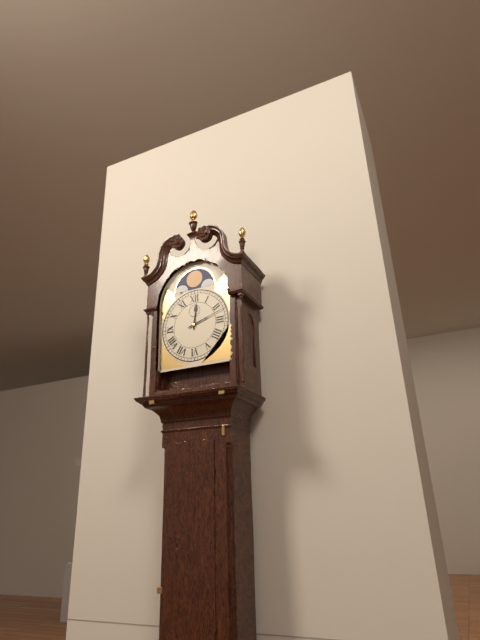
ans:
**12:12**
